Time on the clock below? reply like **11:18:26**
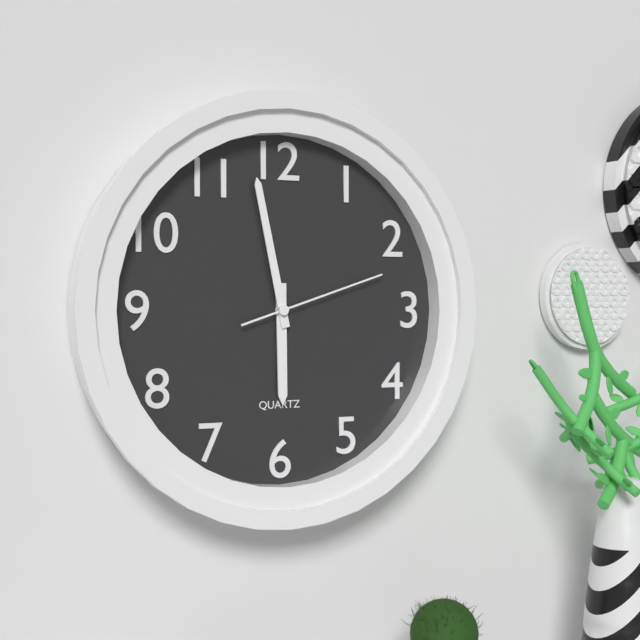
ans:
**5:58:12**
